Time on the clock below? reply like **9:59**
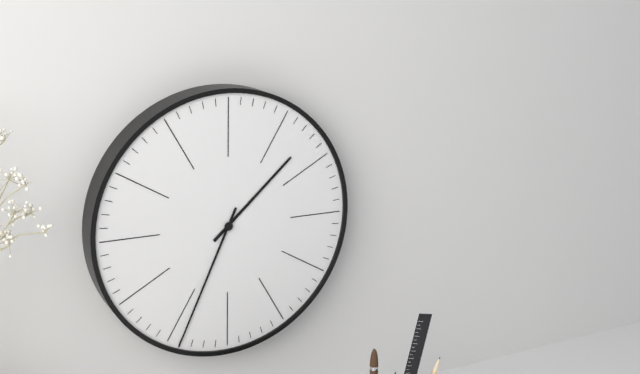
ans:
**1:34**
